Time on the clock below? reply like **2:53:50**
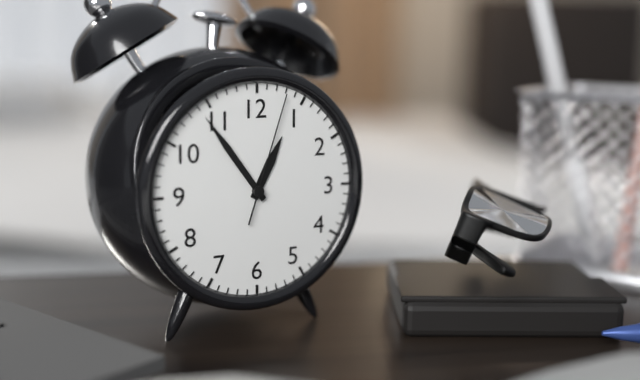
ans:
**12:54:03**
